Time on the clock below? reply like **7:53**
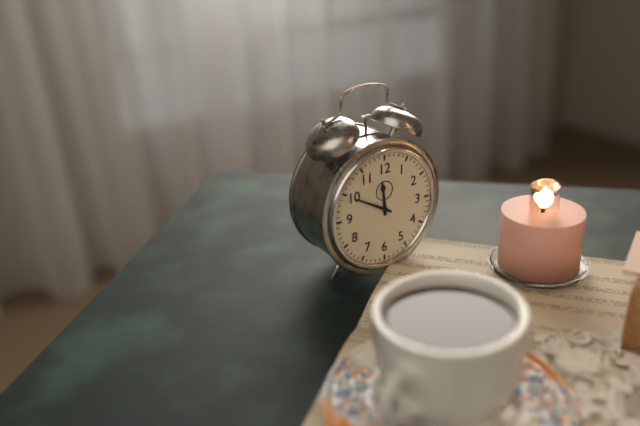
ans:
**11:50**
